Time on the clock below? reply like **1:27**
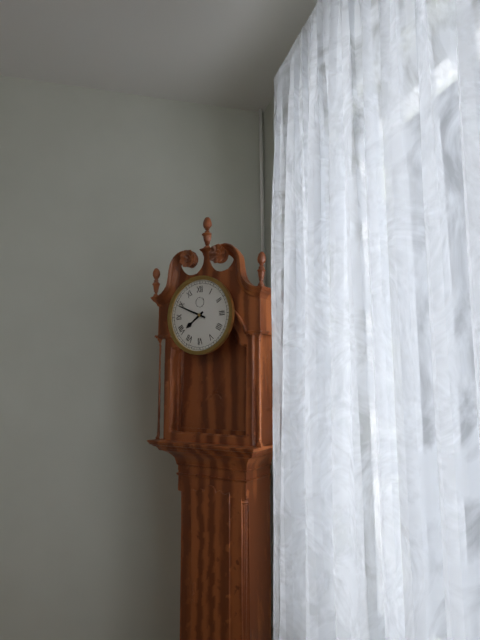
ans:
**7:49**
